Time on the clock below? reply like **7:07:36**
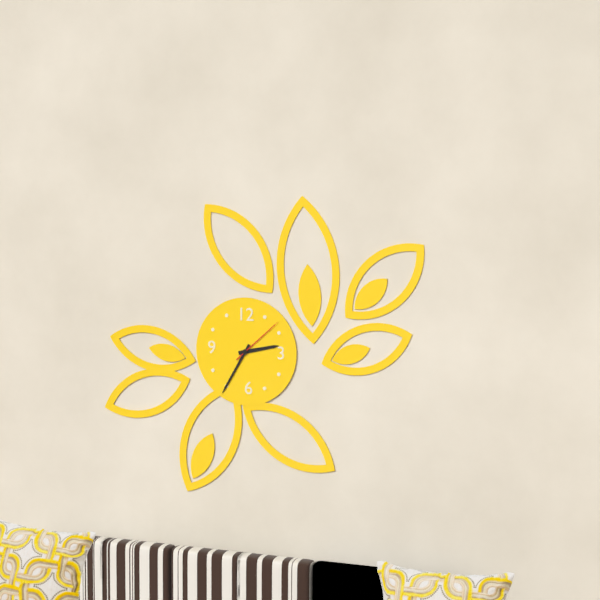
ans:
**2:35:08**
